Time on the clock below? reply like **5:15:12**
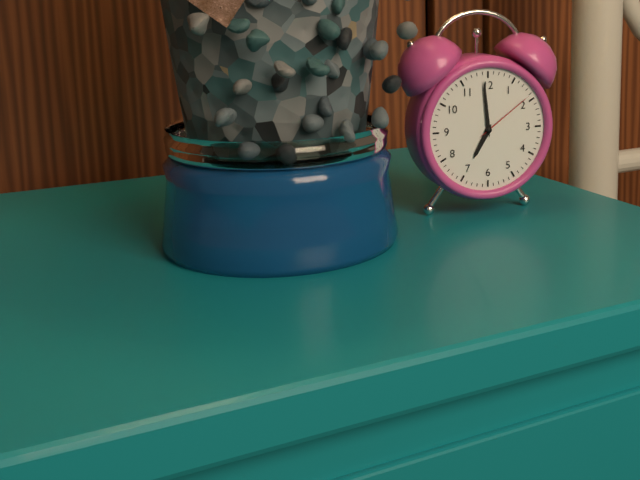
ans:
**6:59:09**
